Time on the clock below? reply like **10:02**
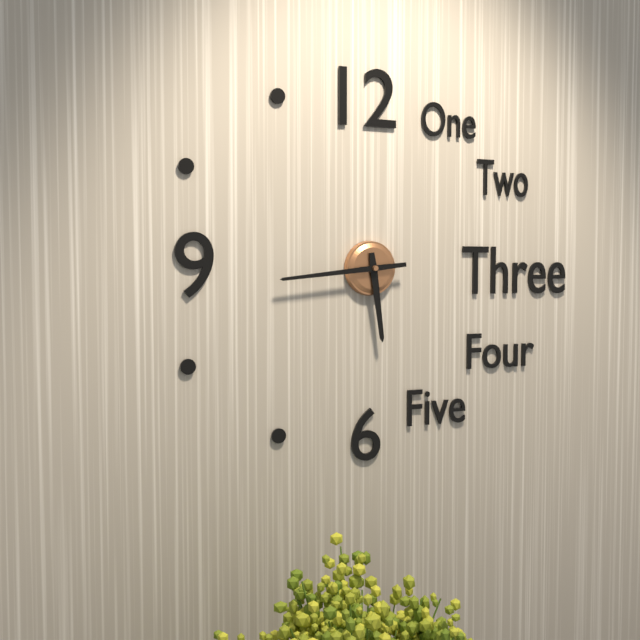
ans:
**5:44**
